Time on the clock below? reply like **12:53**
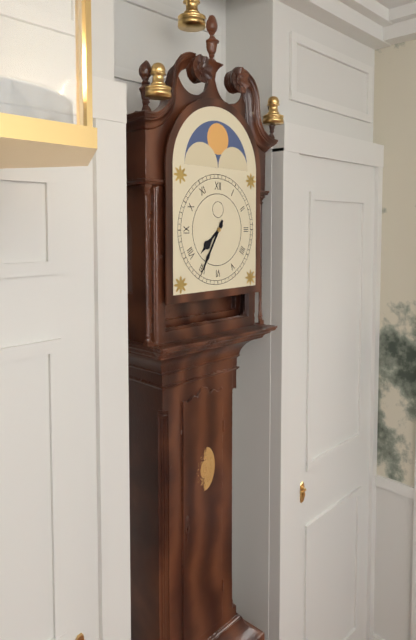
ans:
**7:35**
